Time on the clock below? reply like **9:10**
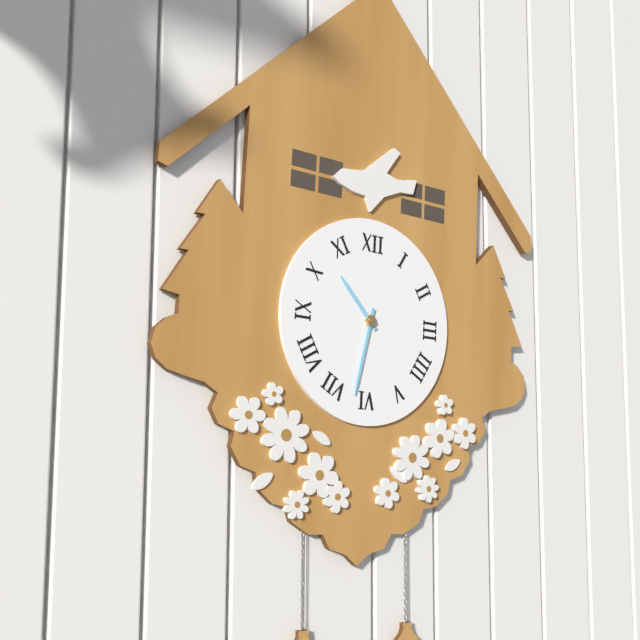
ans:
**10:32**
